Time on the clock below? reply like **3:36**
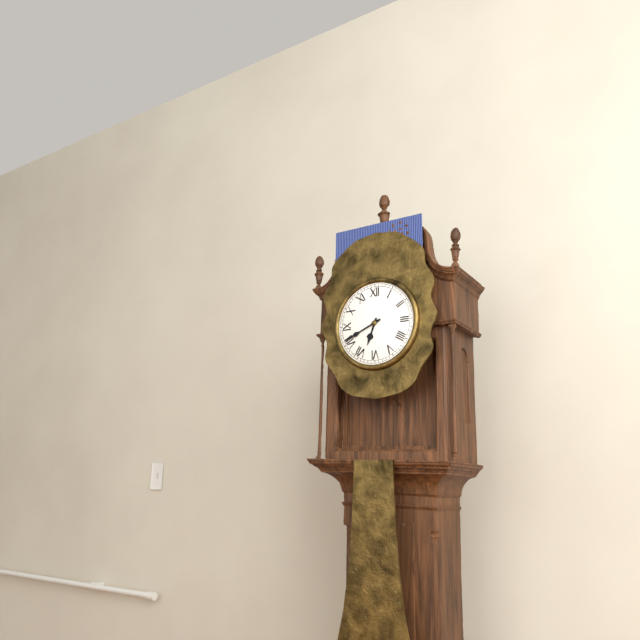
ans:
**6:41**
